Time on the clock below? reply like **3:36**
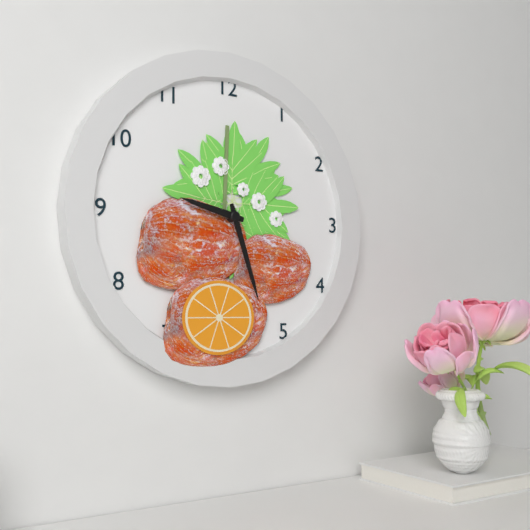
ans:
**9:27**
